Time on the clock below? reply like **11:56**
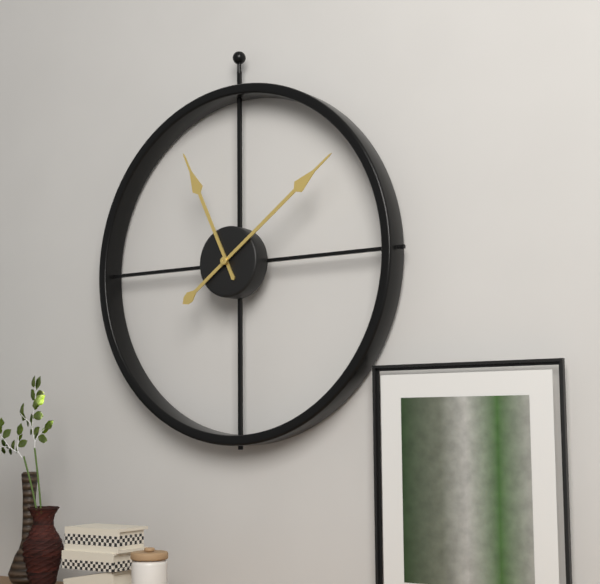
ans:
**11:09**
